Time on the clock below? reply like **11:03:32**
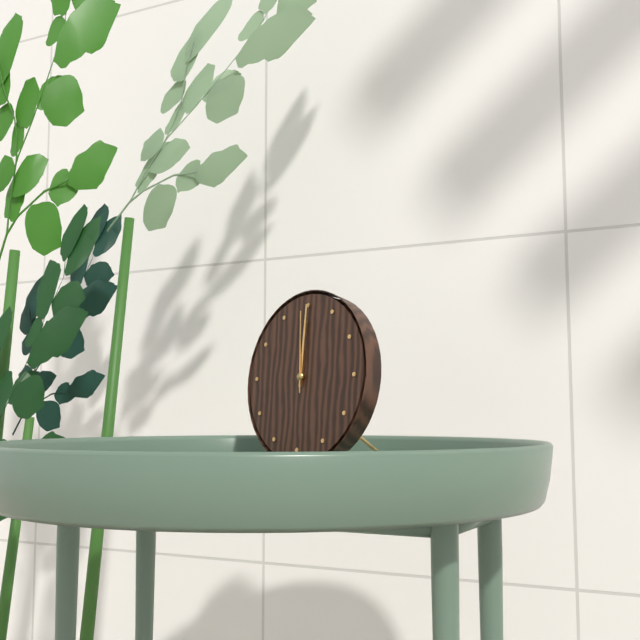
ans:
**12:00:59**
